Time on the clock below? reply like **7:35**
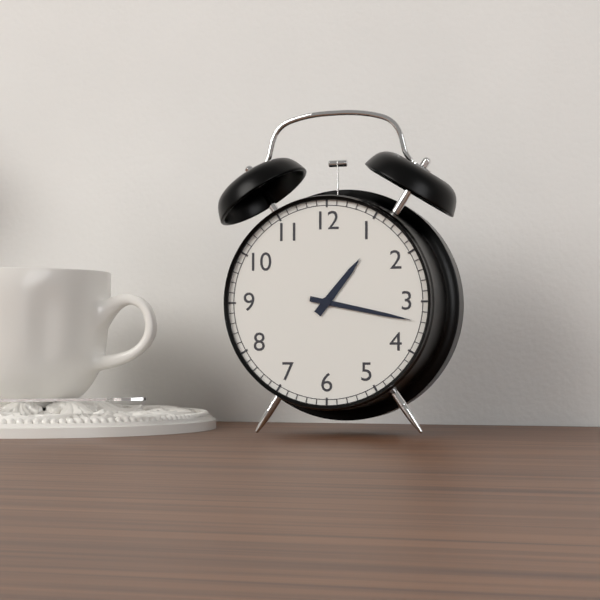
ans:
**1:17**
